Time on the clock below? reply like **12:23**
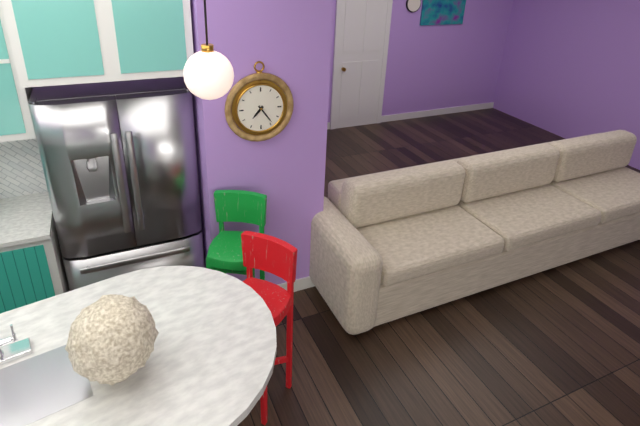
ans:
**7:24**
